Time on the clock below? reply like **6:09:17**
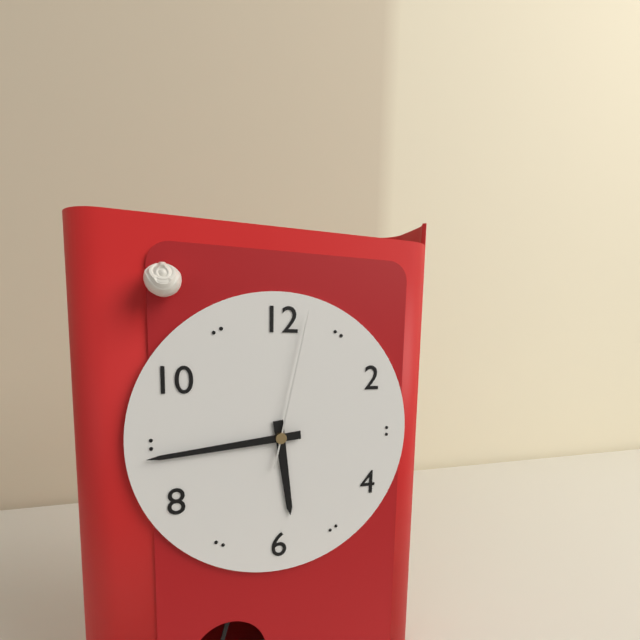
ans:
**5:44:02**
